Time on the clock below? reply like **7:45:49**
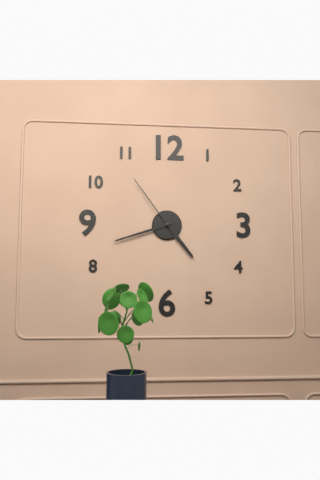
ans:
**4:42:54**
